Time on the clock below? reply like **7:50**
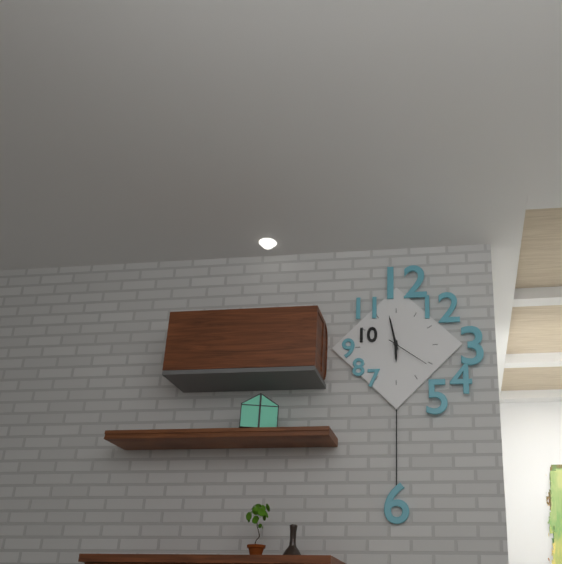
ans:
**5:58**
